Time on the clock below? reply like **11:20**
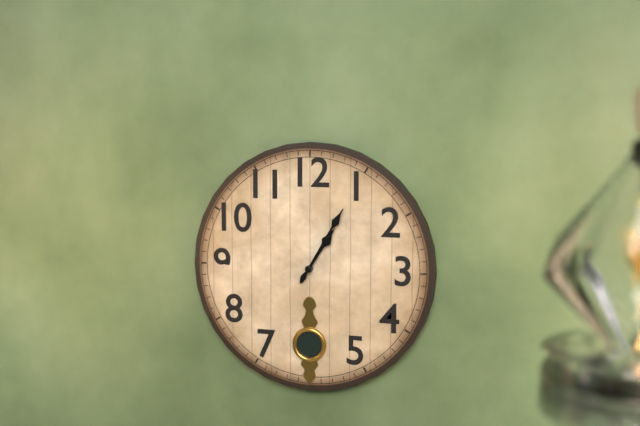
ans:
**1:05**
